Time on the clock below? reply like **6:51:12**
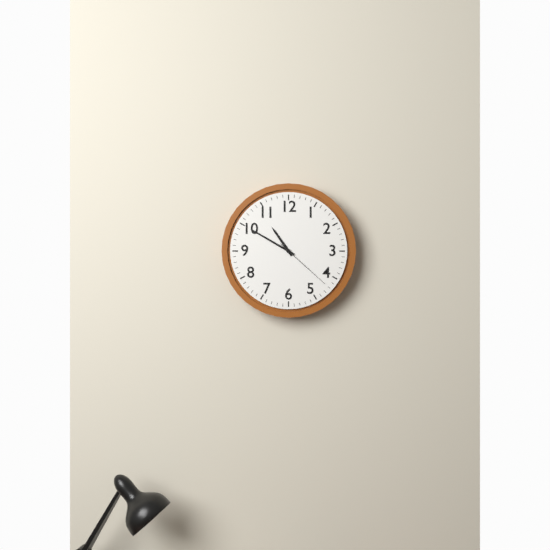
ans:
**10:50:22**
